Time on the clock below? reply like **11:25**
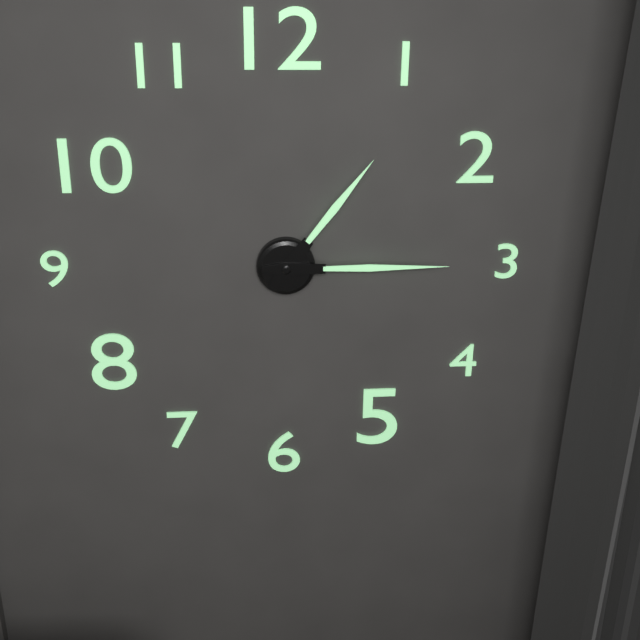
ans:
**1:15**
